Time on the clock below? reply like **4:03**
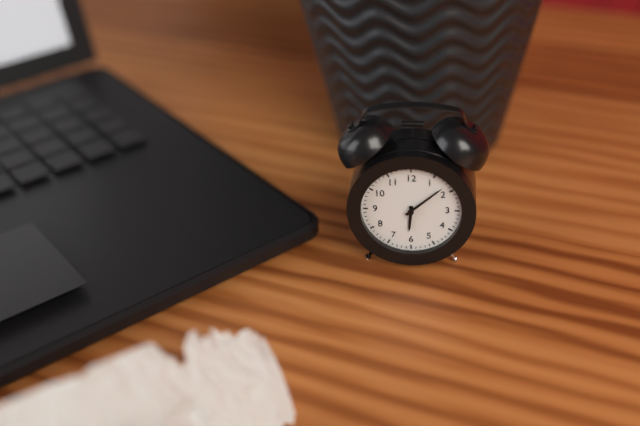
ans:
**6:08**
